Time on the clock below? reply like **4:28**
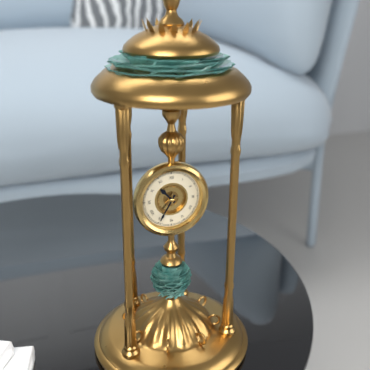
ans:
**10:35**
